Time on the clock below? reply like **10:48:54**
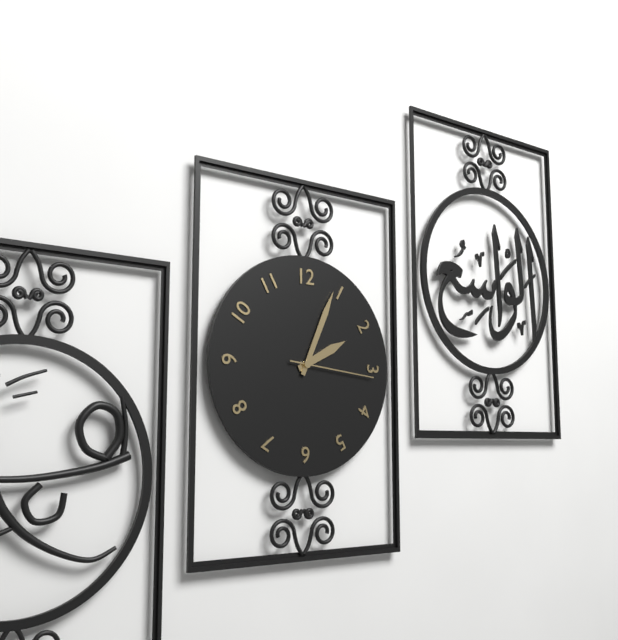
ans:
**2:04:16**
